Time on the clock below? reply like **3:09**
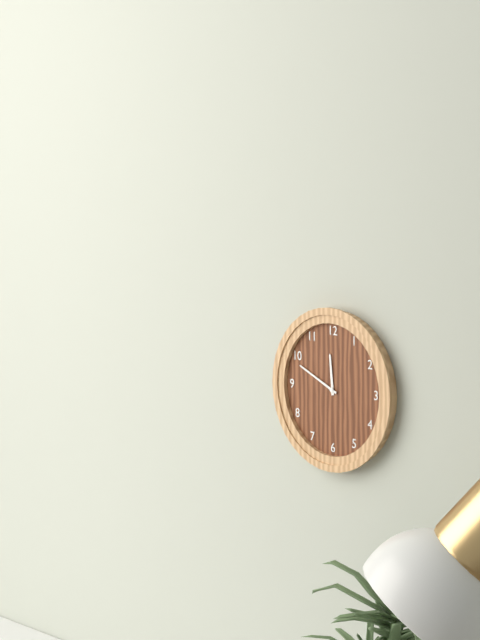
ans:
**11:49**
